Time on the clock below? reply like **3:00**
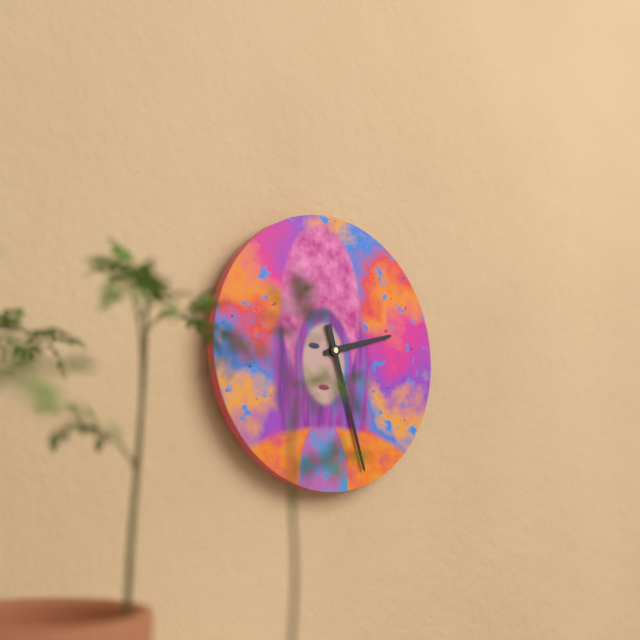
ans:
**2:27**
